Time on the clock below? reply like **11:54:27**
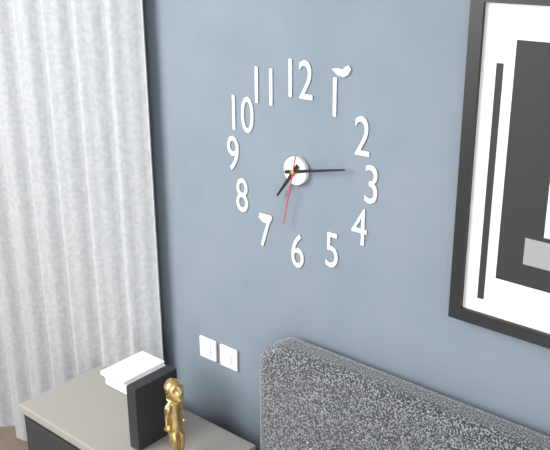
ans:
**7:13:32**
